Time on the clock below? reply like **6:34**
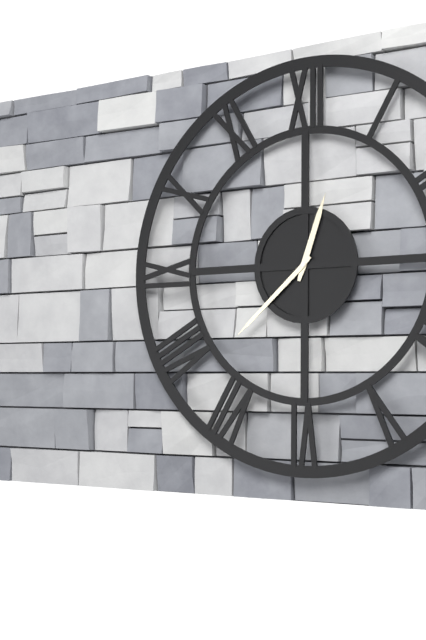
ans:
**12:38**
